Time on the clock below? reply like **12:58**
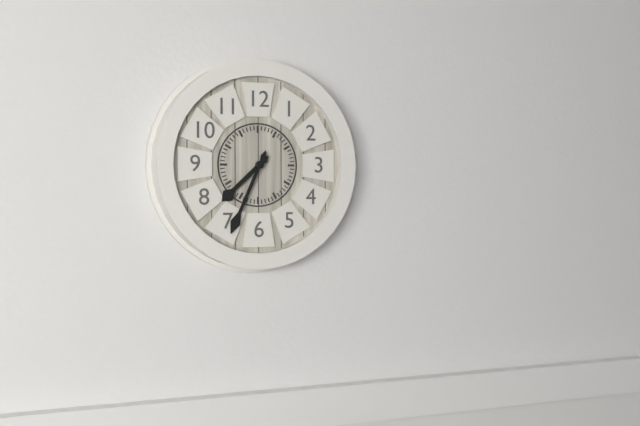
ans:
**7:34**
